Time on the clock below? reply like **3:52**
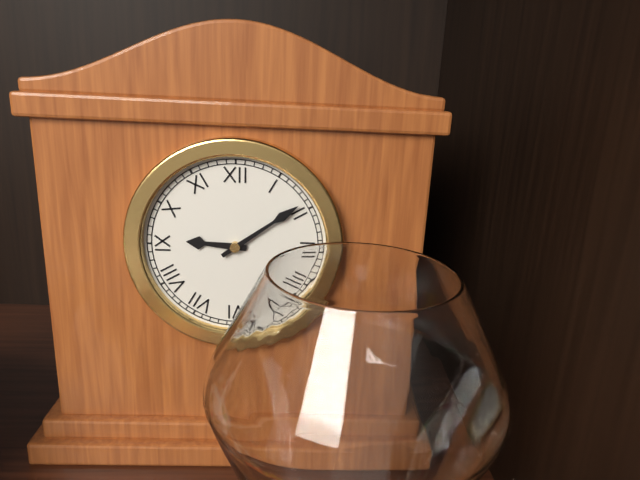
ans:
**9:09**
